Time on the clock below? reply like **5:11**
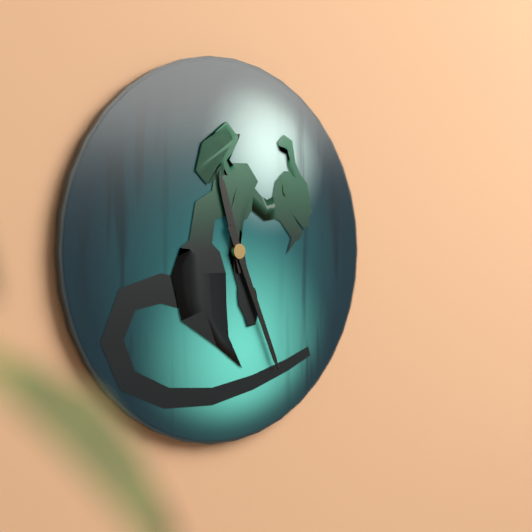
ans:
**11:26**
